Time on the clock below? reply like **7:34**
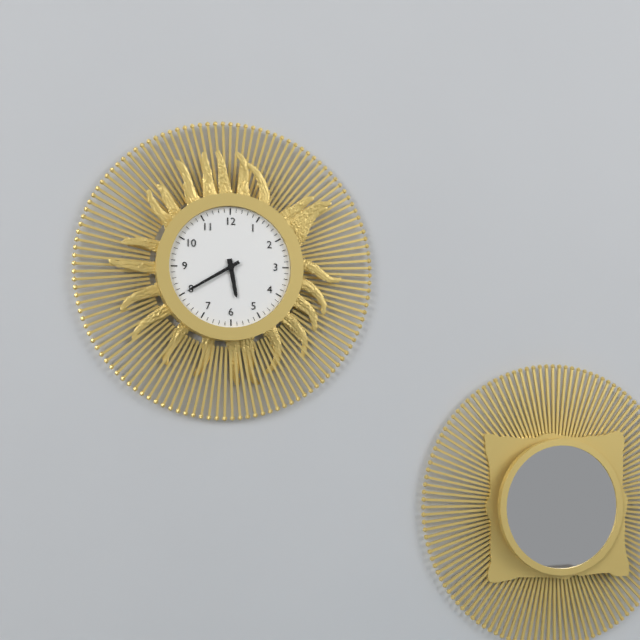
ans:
**5:40**
